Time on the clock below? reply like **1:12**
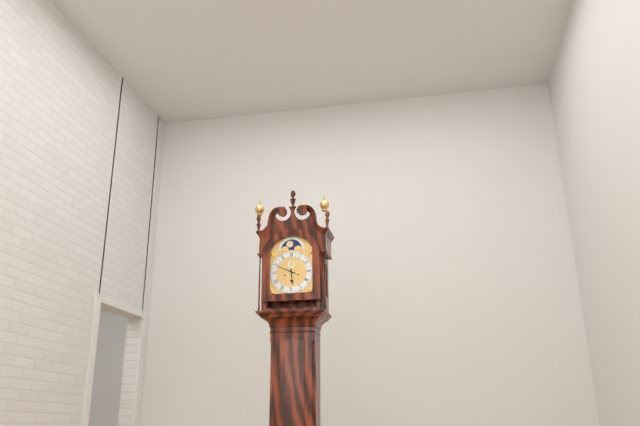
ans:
**5:49**
